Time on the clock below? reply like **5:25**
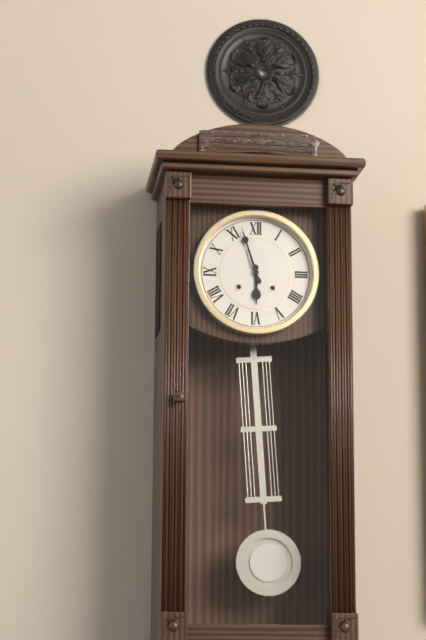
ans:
**5:57**
